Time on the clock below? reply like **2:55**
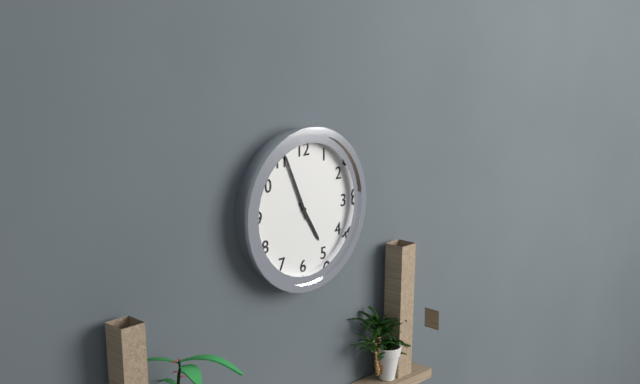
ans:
**4:56**
